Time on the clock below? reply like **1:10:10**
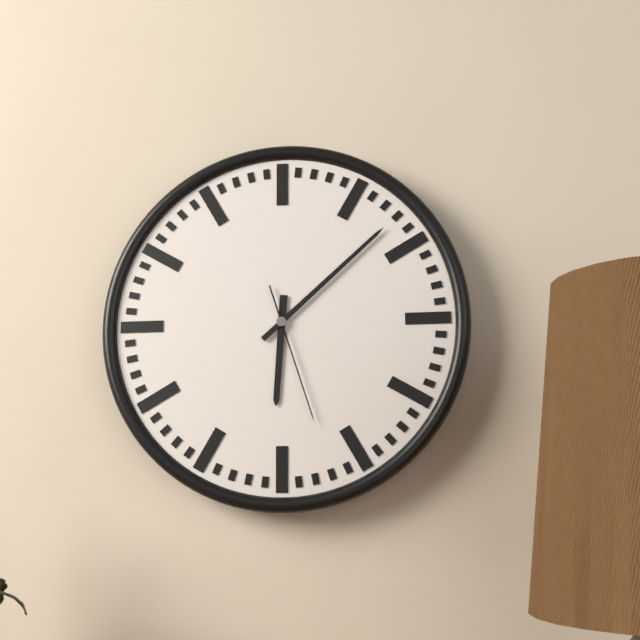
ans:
**6:08:27**
